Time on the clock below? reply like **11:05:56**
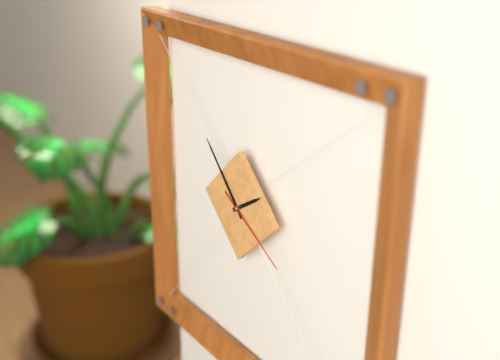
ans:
**1:53:20**
